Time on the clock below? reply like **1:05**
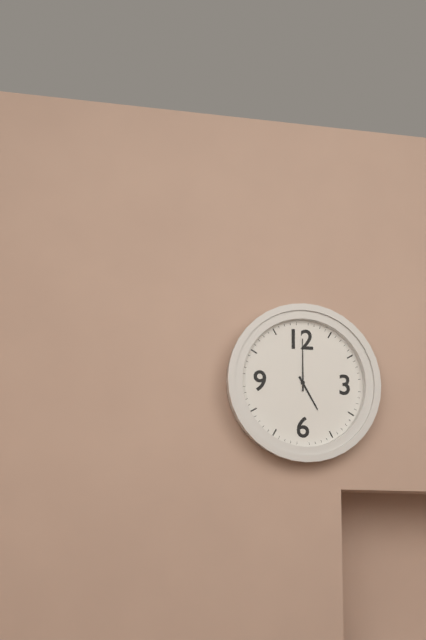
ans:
**5:00**
